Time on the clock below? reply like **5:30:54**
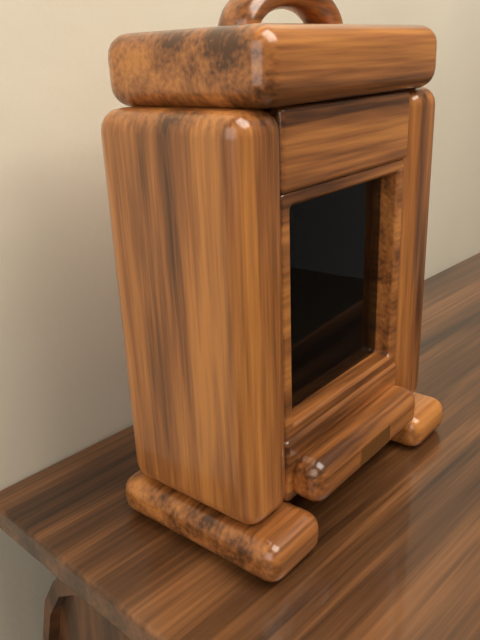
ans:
**2:57:26**
